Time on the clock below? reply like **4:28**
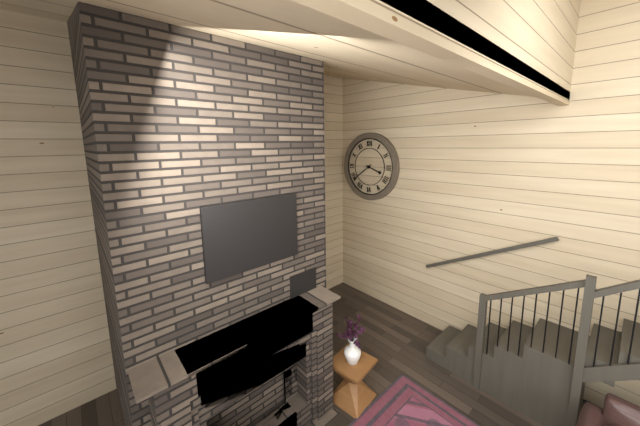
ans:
**3:39**
